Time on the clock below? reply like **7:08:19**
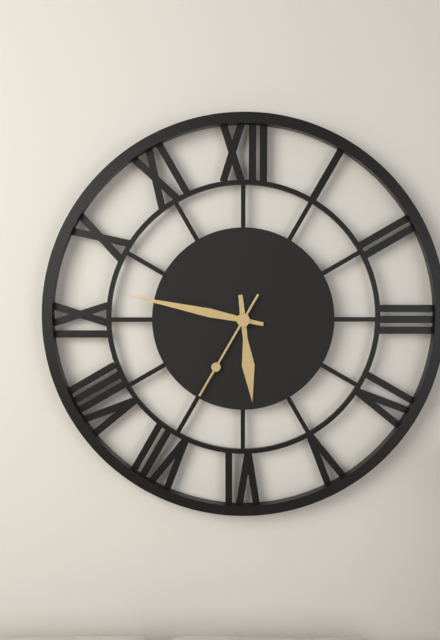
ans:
**5:47:35**
